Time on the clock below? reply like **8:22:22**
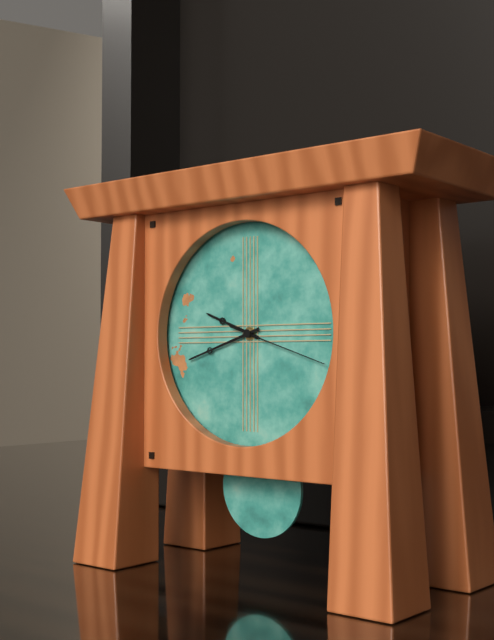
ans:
**9:42:18**
